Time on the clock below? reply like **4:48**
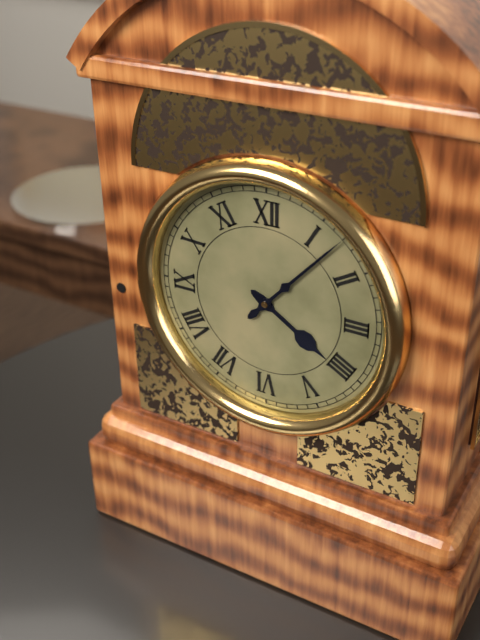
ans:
**4:07**
